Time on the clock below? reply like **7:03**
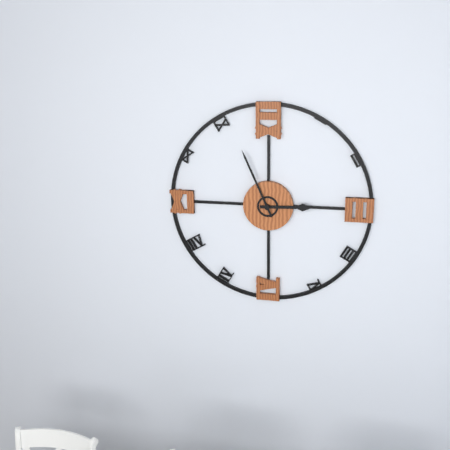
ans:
**2:56**
